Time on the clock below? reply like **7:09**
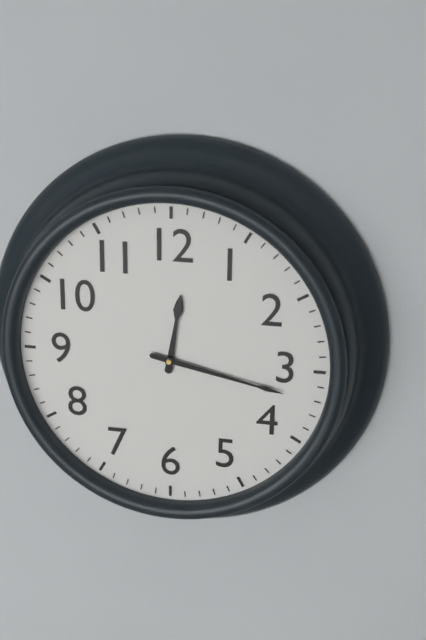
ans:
**12:17**
